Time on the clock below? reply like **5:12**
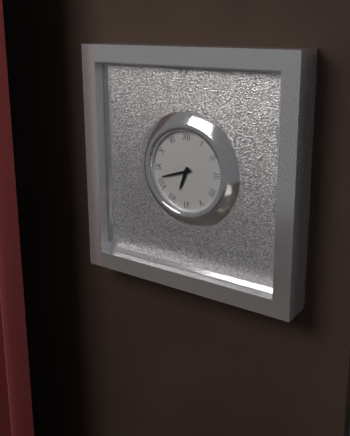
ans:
**6:42**
